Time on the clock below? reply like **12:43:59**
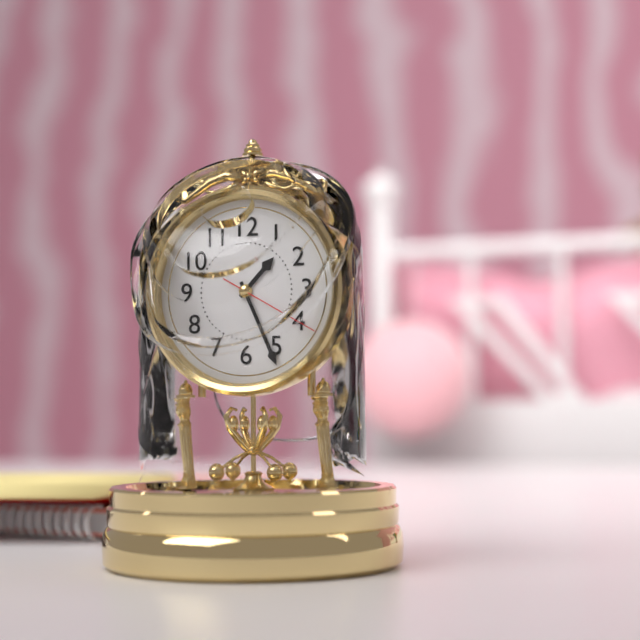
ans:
**1:26:20**
